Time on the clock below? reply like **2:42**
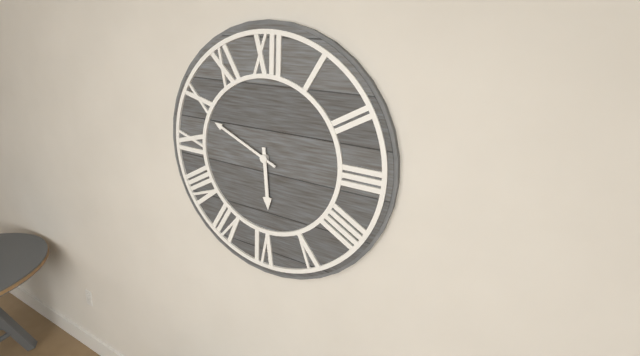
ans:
**5:49**
